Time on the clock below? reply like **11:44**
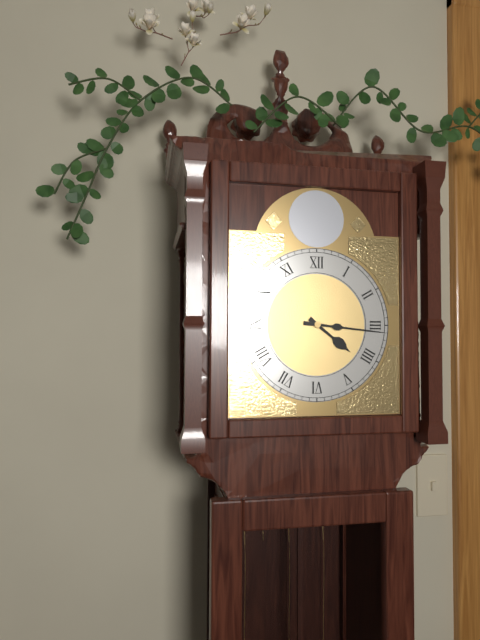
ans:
**4:16**
